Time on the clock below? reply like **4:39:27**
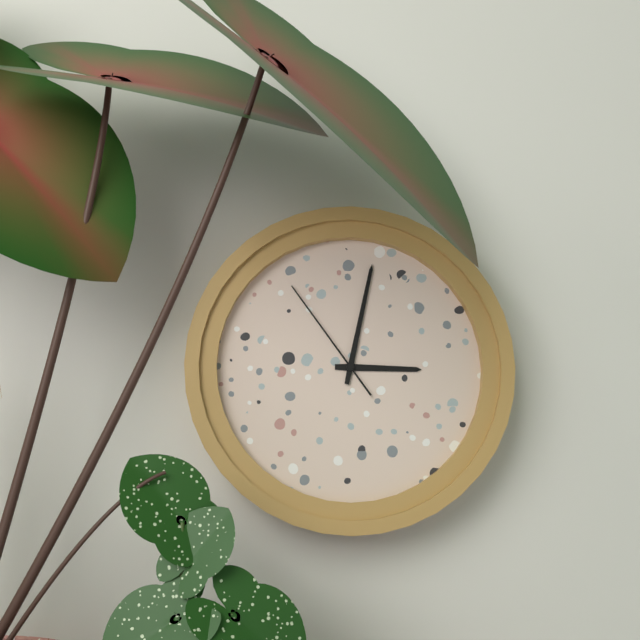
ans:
**3:02:54**
